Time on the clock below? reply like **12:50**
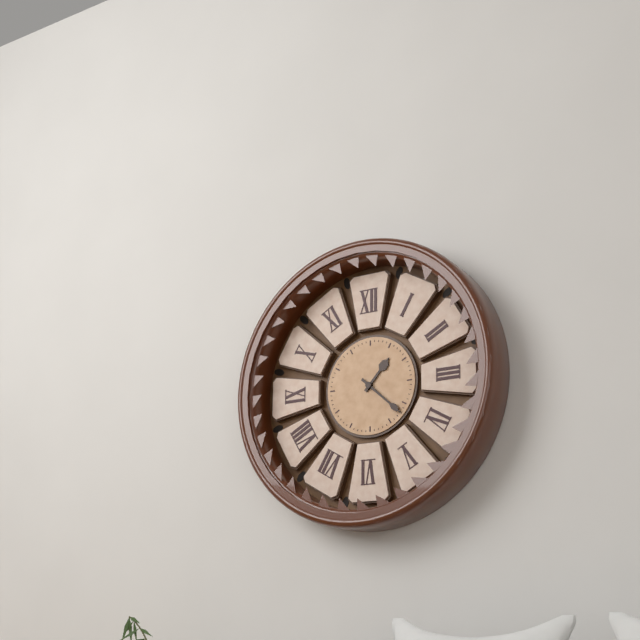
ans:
**1:22**
